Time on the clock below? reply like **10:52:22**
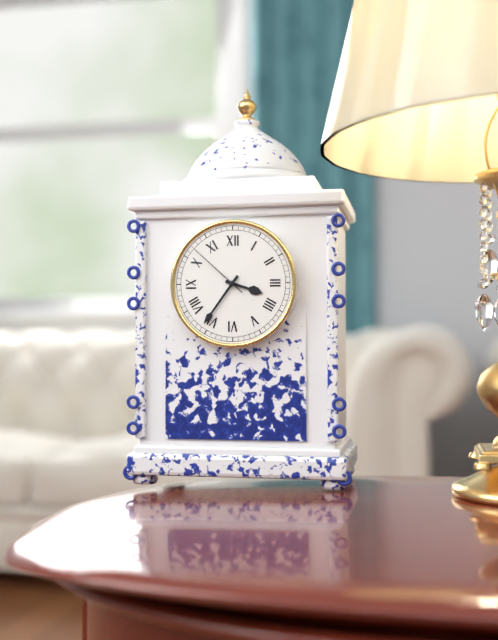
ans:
**3:36:52**
